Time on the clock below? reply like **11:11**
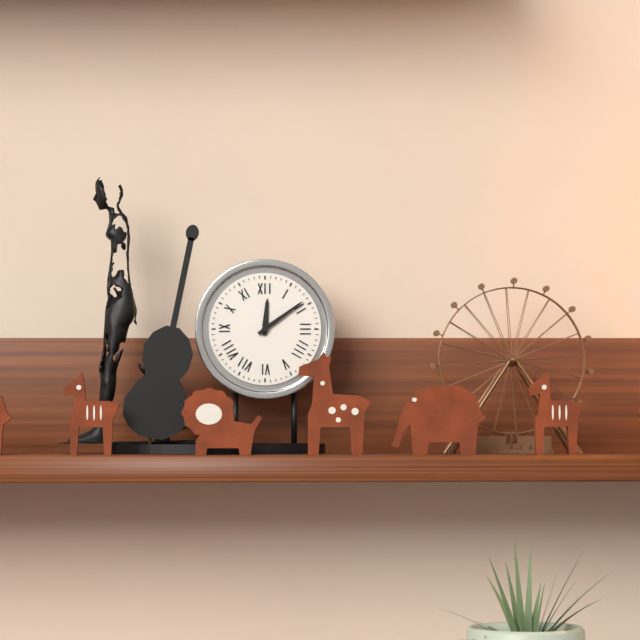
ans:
**12:09**
